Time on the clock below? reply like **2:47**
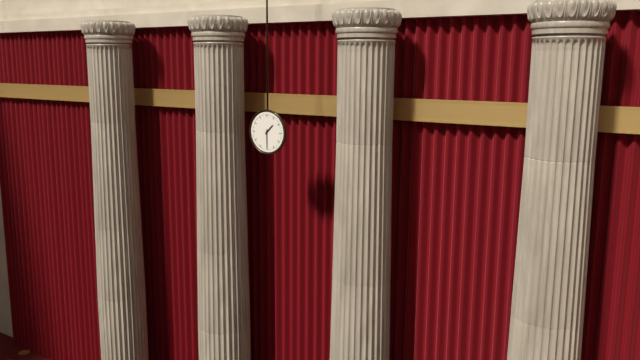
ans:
**1:30**
